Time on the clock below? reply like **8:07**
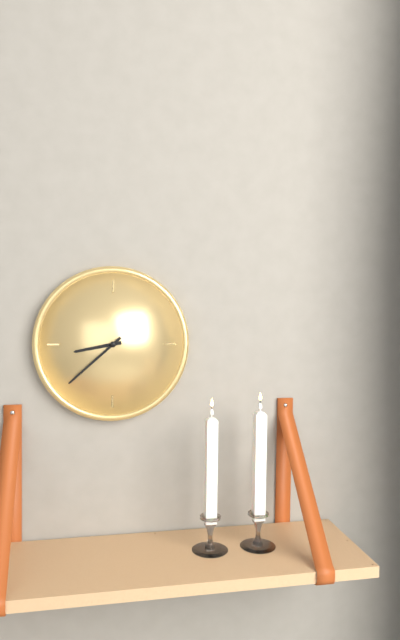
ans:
**8:38**
